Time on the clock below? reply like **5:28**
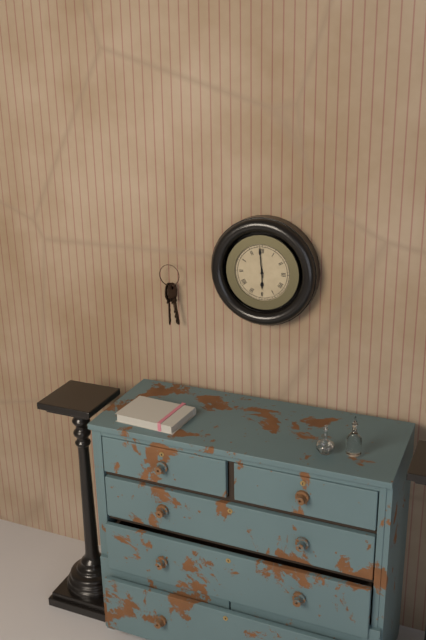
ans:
**5:59**
